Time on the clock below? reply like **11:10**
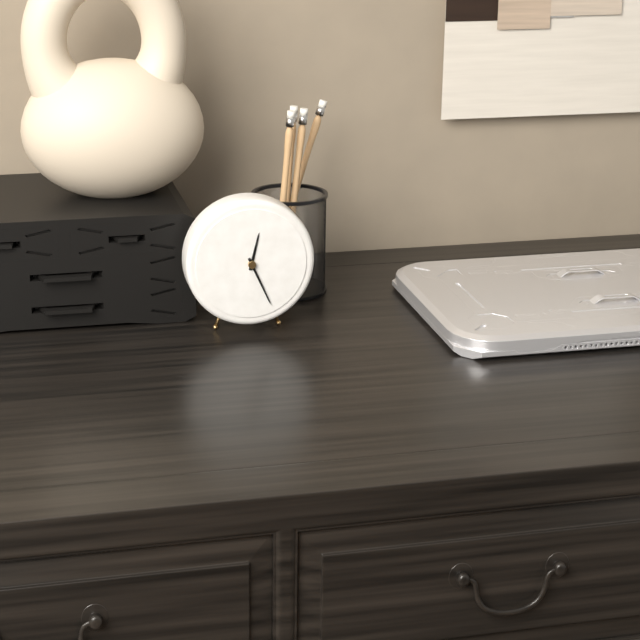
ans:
**12:26**
